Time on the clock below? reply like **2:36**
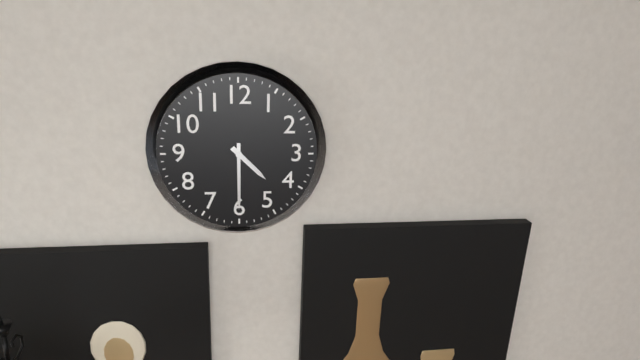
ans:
**4:30**
